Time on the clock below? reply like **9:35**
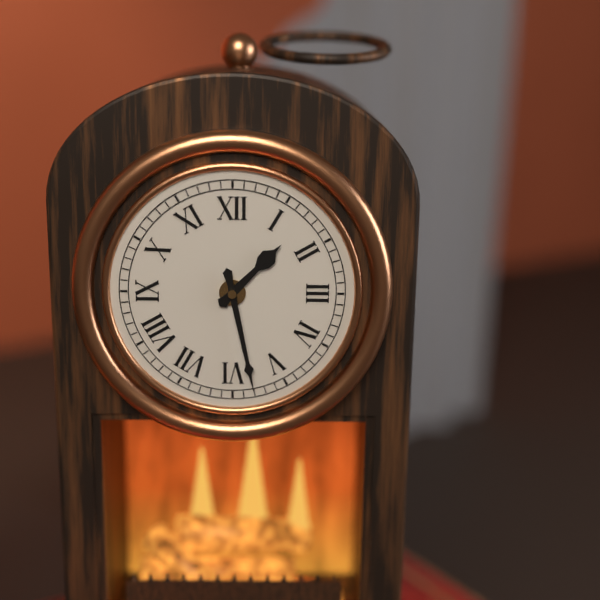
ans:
**1:28**
